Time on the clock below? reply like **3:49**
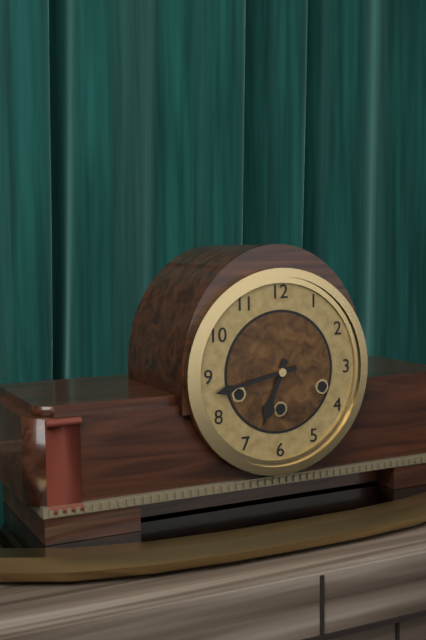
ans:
**6:43**
